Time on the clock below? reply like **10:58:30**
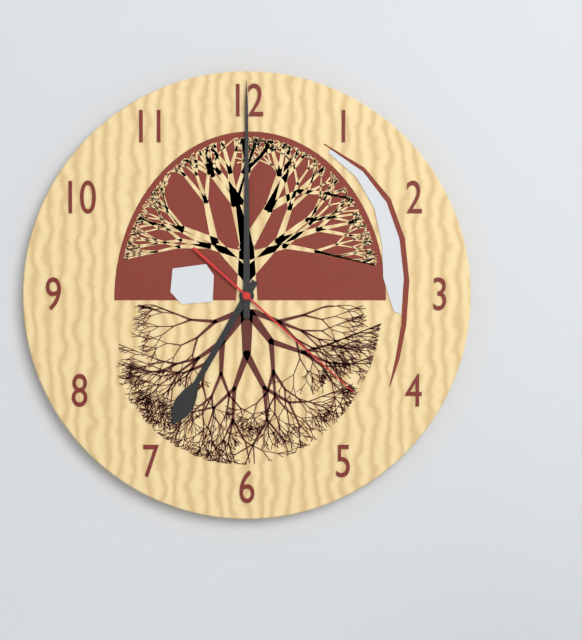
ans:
**7:00:22**
